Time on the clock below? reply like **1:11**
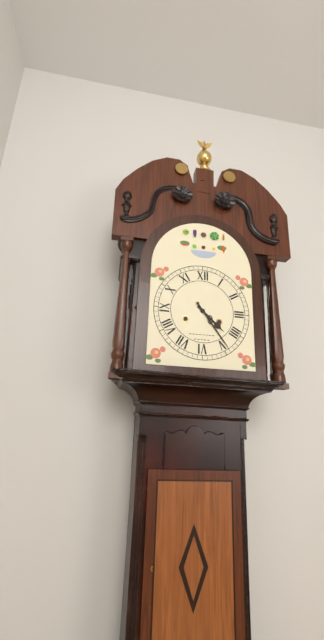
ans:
**4:24**
